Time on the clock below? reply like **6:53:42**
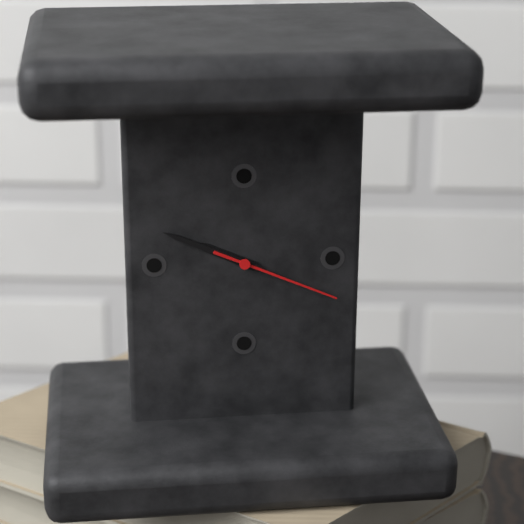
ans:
**9:49:19**
